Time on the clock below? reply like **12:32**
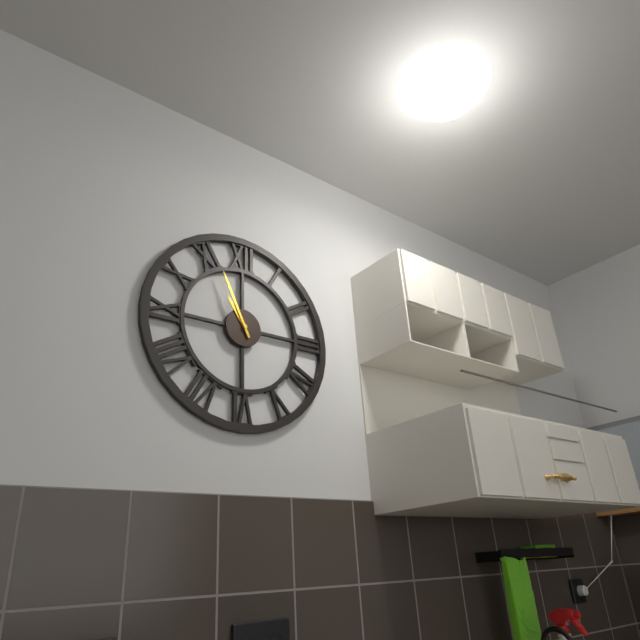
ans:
**10:56**
